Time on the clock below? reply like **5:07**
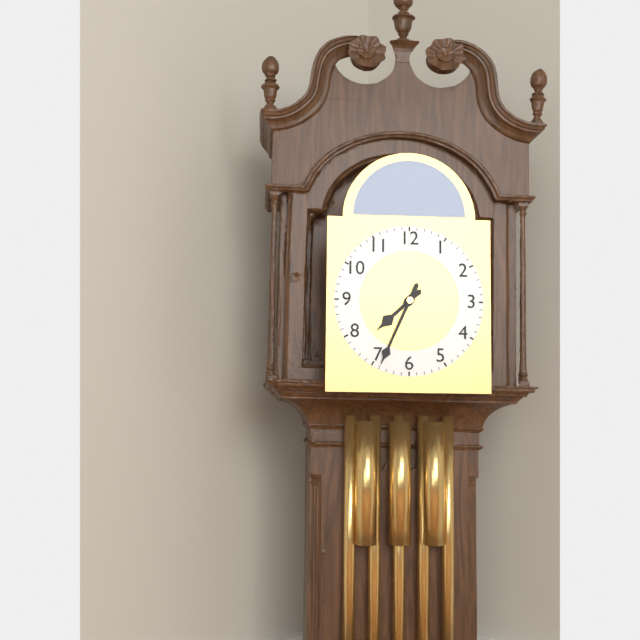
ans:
**7:34**
